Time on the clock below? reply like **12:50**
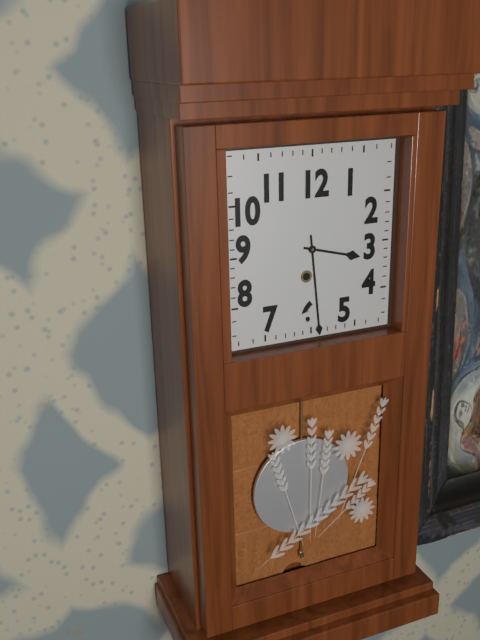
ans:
**3:29**
